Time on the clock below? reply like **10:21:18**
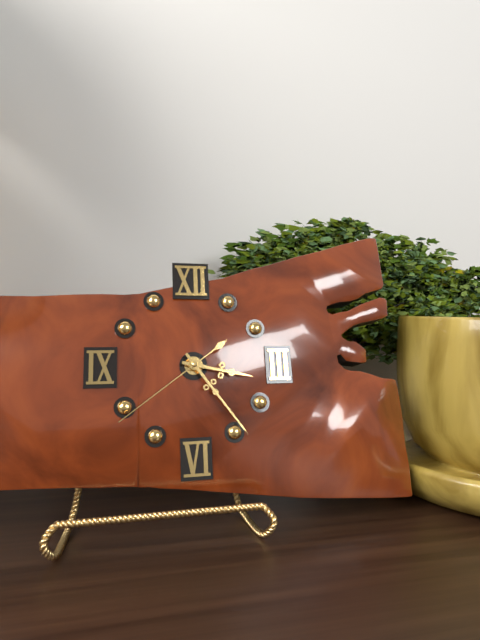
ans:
**3:24:39**
